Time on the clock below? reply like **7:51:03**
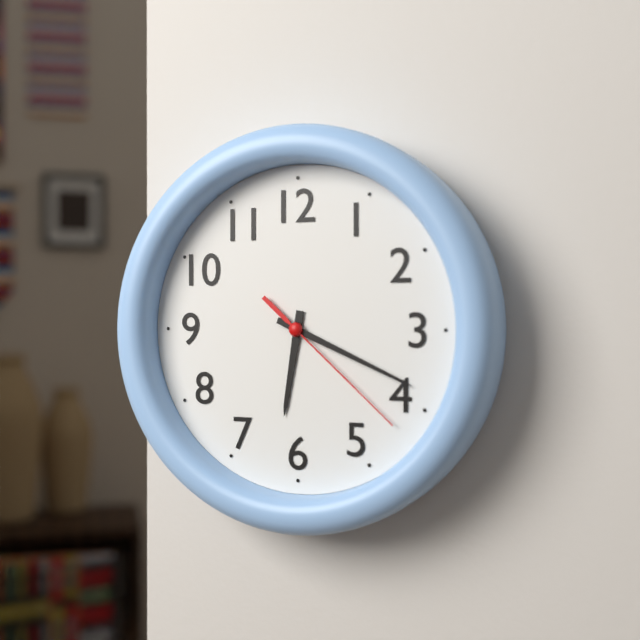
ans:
**6:19:22**
